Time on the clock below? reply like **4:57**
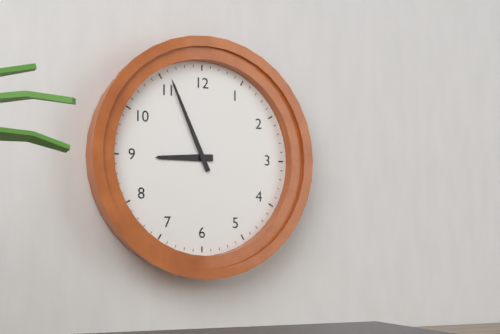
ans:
**8:56**
